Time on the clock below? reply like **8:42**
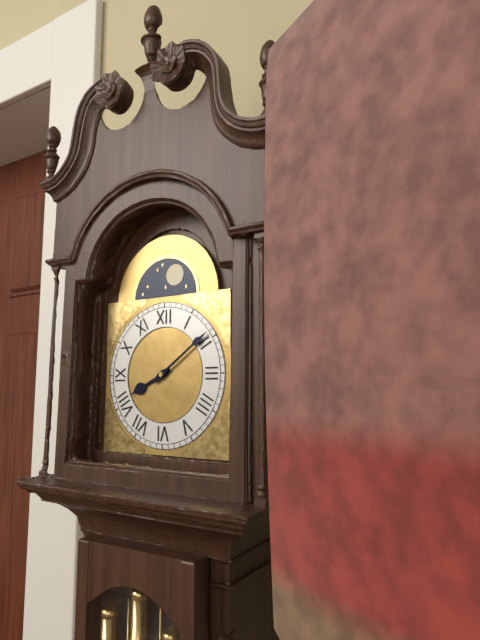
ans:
**8:09**
